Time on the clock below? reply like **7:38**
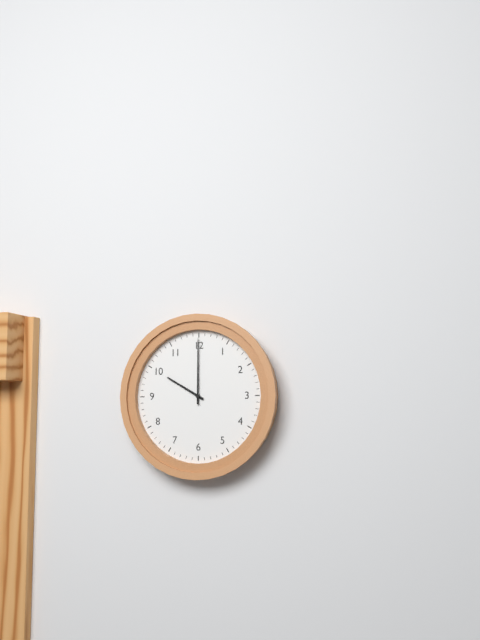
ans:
**10:00**
